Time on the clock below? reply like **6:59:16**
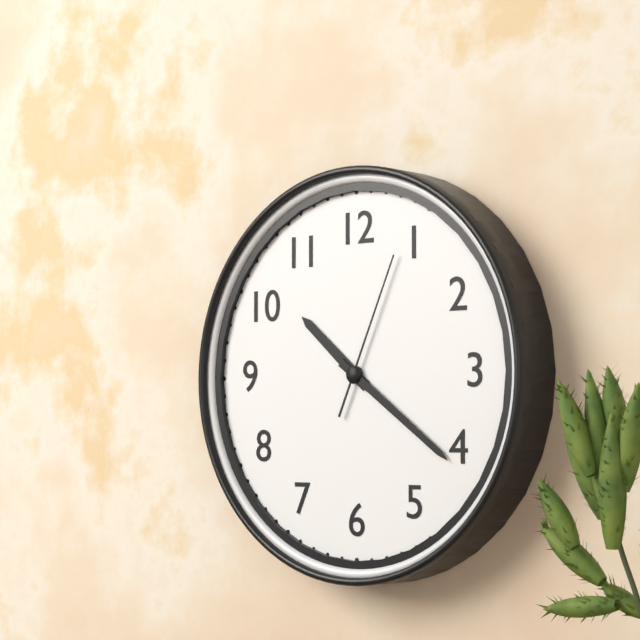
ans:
**10:21:04**
